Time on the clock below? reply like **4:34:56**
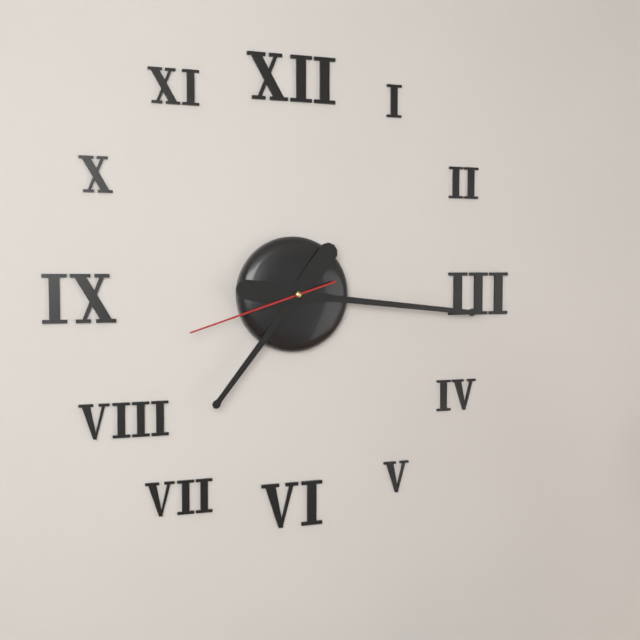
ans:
**7:16:42**
